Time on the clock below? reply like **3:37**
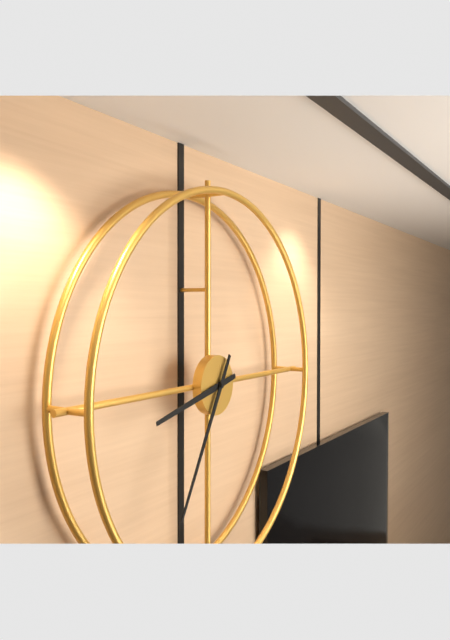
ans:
**8:35**
